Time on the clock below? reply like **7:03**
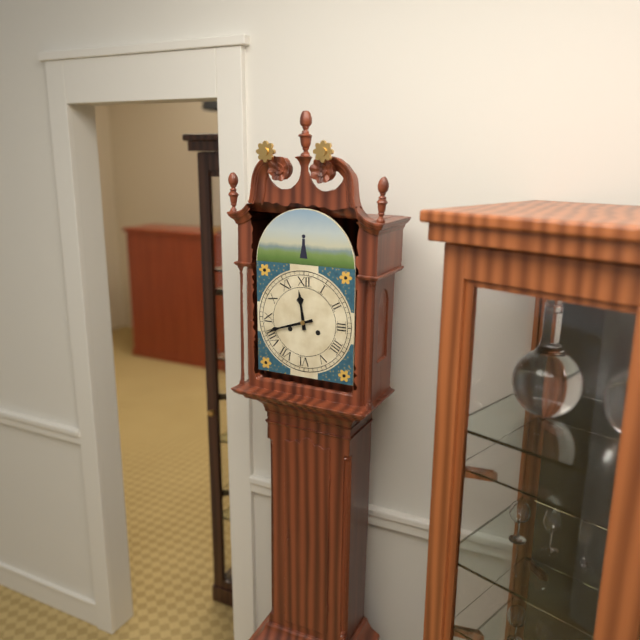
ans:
**11:42**
